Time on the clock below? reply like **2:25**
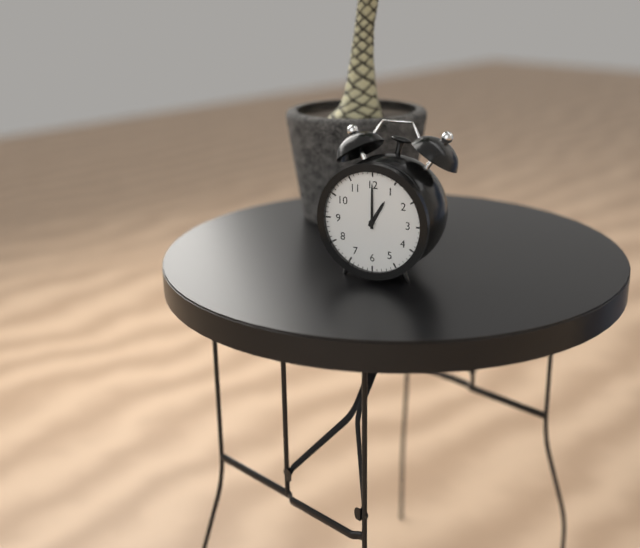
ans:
**1:00**
